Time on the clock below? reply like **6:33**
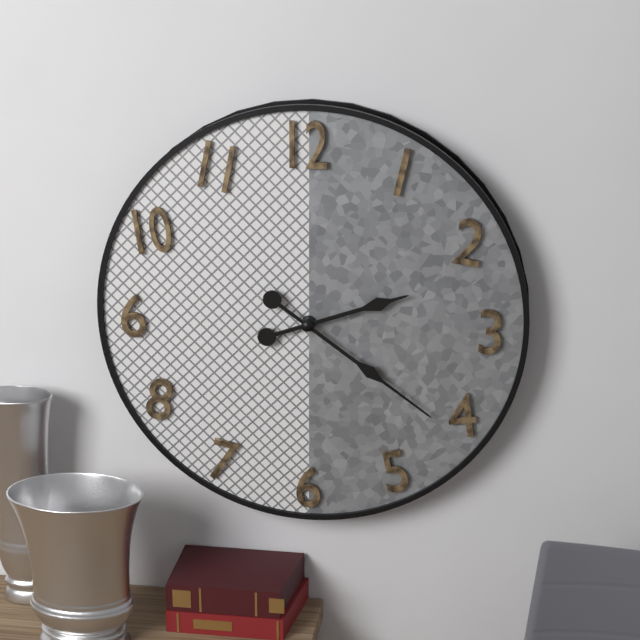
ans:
**2:21**
